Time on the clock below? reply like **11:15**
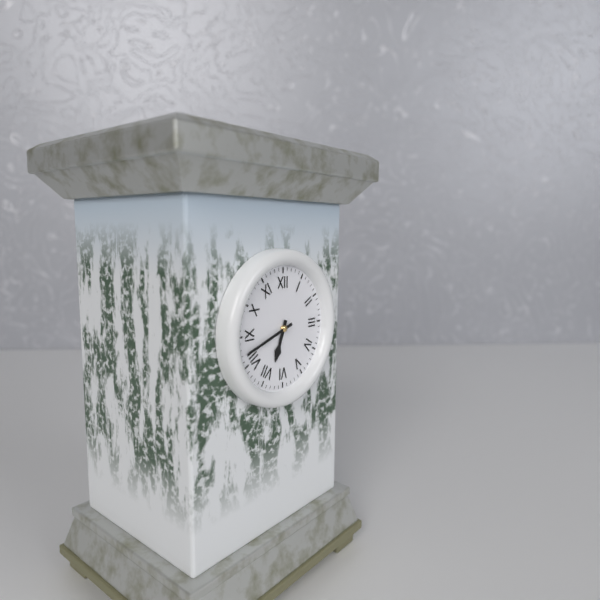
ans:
**6:42**
